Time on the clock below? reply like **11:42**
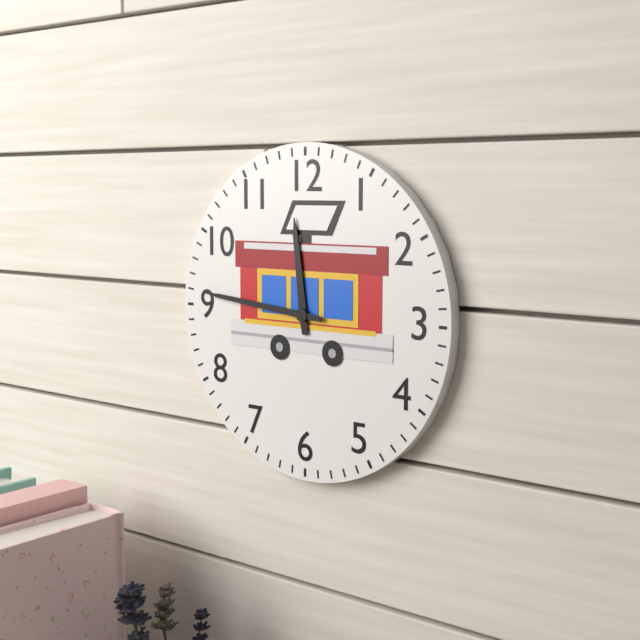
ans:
**11:46**
